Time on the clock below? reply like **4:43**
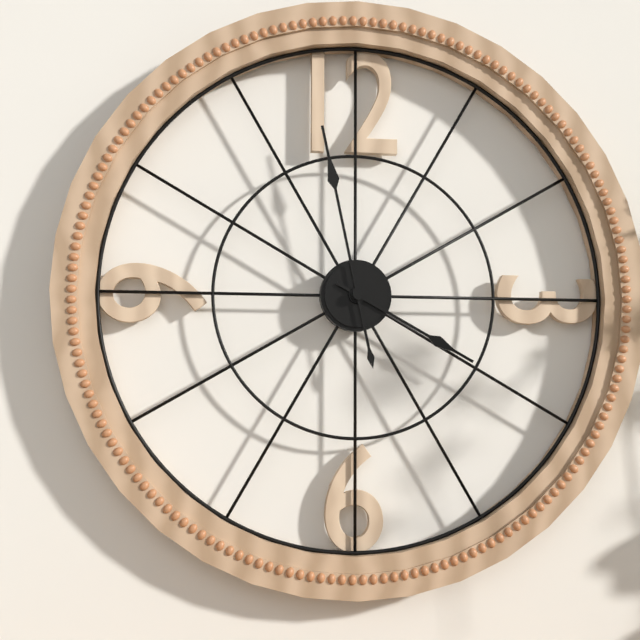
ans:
**3:58**
